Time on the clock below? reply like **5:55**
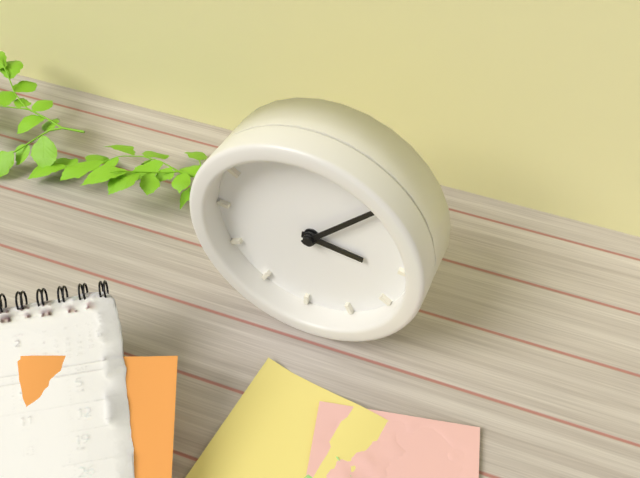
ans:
**3:07**
